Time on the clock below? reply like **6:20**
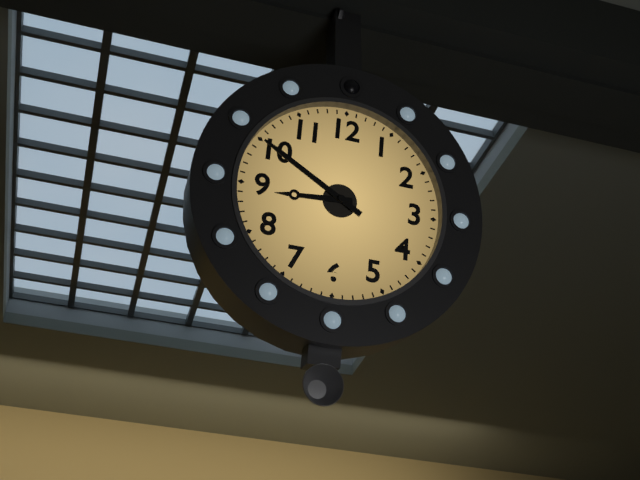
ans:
**8:50**
